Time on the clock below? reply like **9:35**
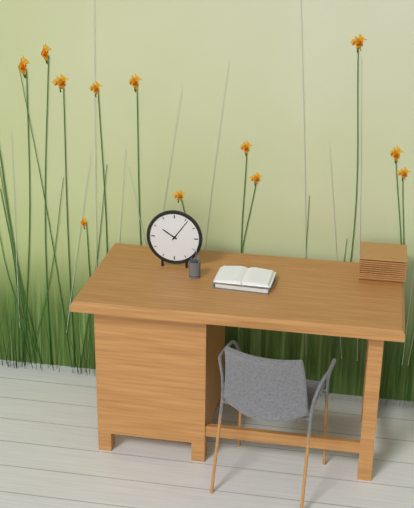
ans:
**10:06**
